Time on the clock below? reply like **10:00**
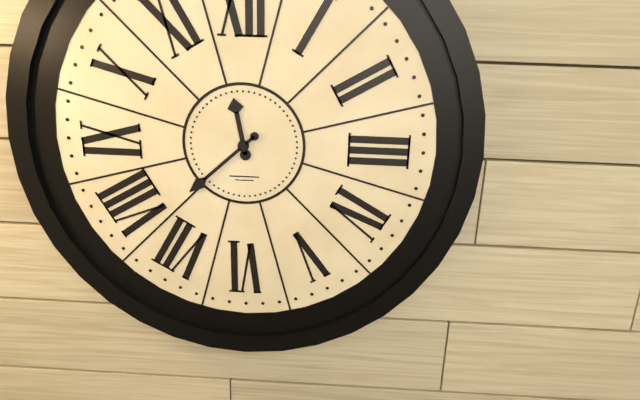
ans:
**11:38**
